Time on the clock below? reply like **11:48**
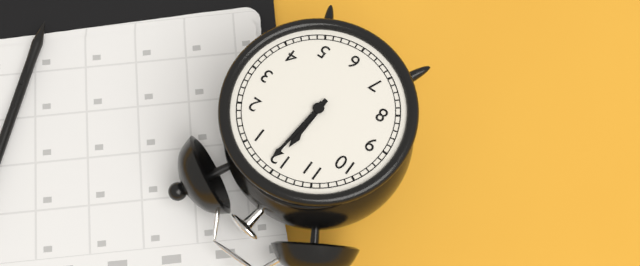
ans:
**12:01**
